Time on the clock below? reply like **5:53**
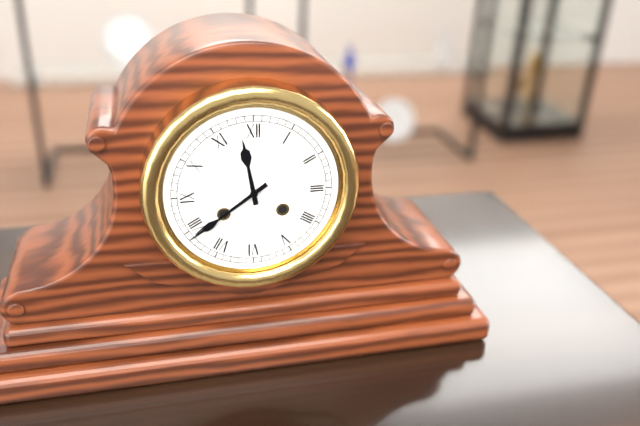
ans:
**11:39**
